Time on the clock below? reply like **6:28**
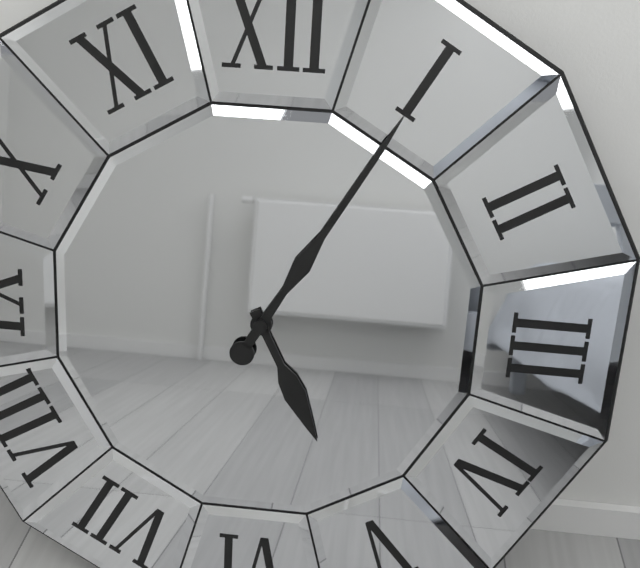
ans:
**5:05**
